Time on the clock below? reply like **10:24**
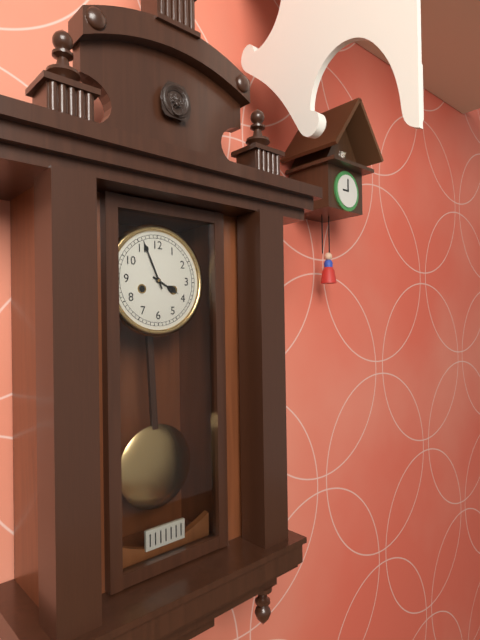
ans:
**3:56**
